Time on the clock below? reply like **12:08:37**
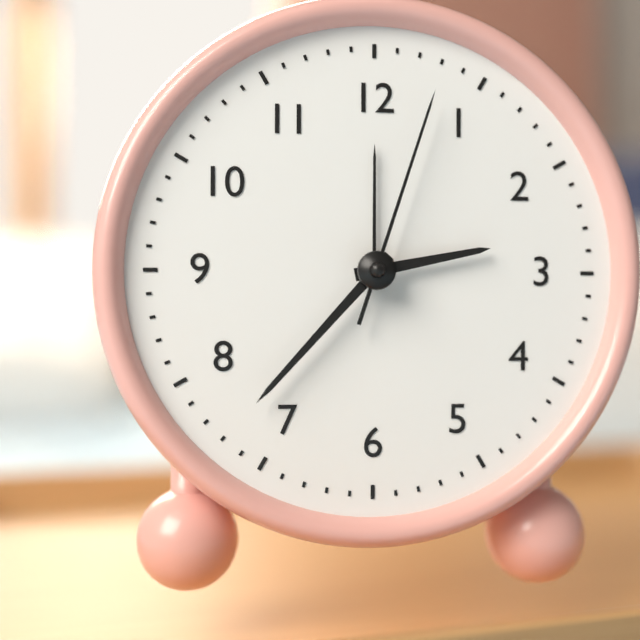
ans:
**2:37:03**
